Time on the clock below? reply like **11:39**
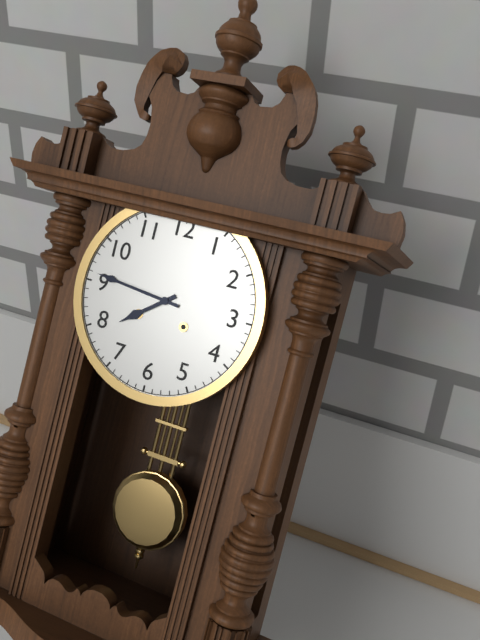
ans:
**7:46**
